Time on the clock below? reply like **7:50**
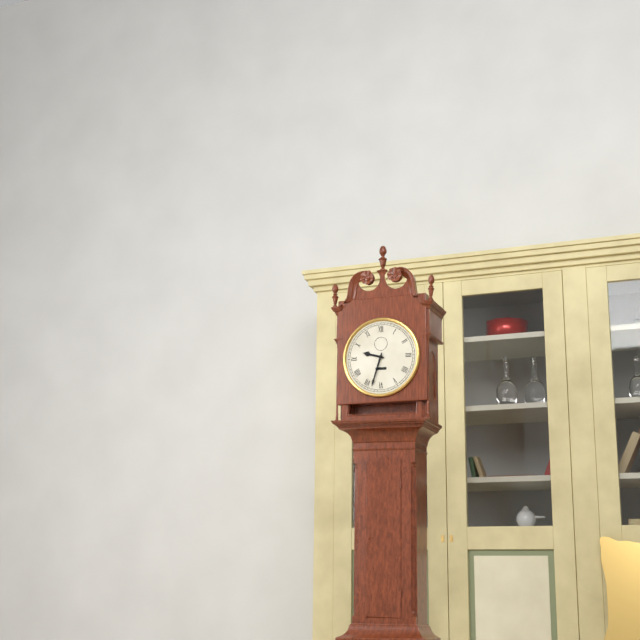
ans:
**9:33**
